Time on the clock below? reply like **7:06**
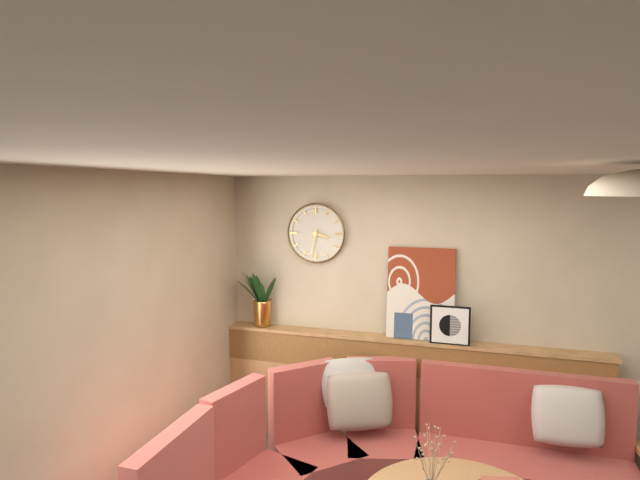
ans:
**3:32**
